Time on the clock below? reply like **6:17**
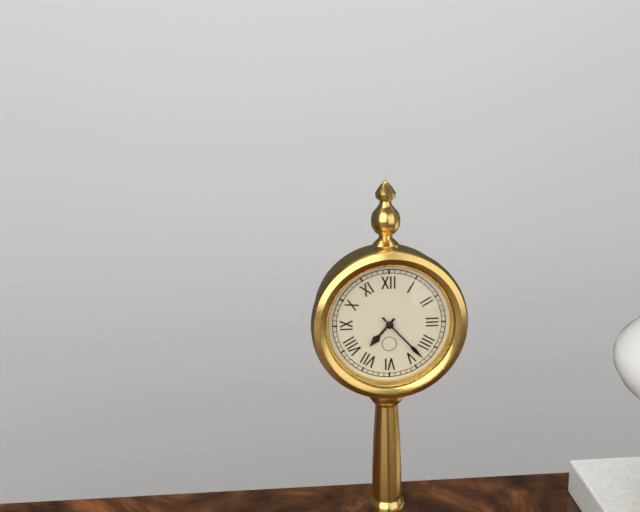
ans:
**7:23**
